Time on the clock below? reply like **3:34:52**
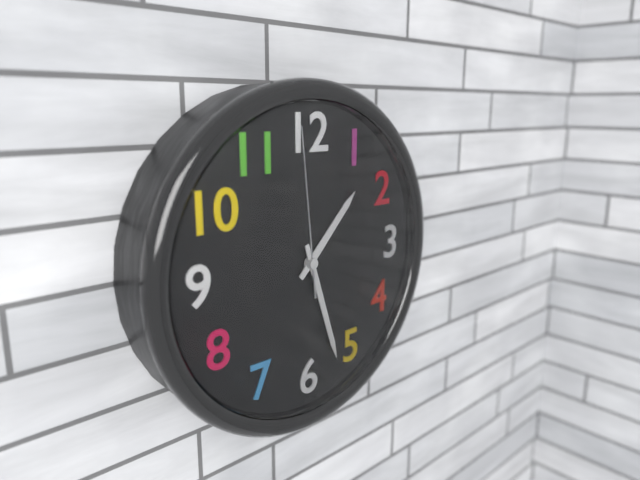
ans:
**1:27:59**
